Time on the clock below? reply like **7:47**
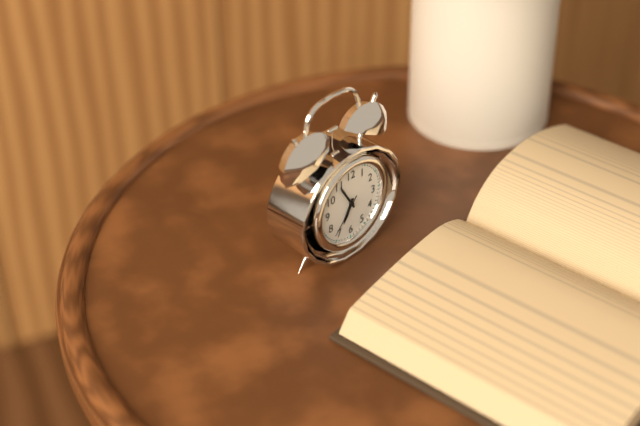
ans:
**6:55**
